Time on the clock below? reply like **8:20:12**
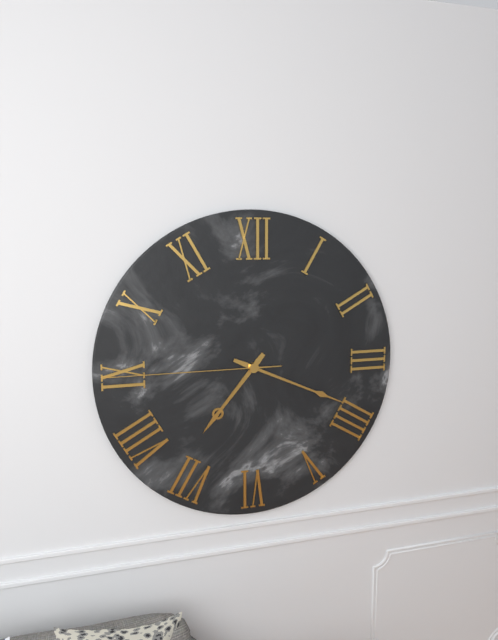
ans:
**7:19:45**
